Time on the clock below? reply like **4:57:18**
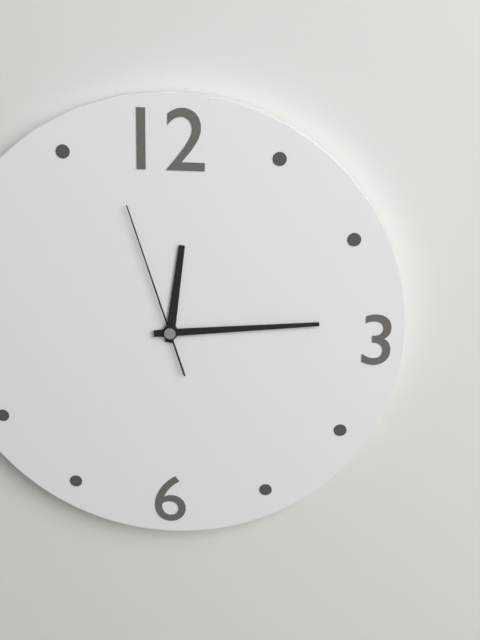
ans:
**12:14:57**
